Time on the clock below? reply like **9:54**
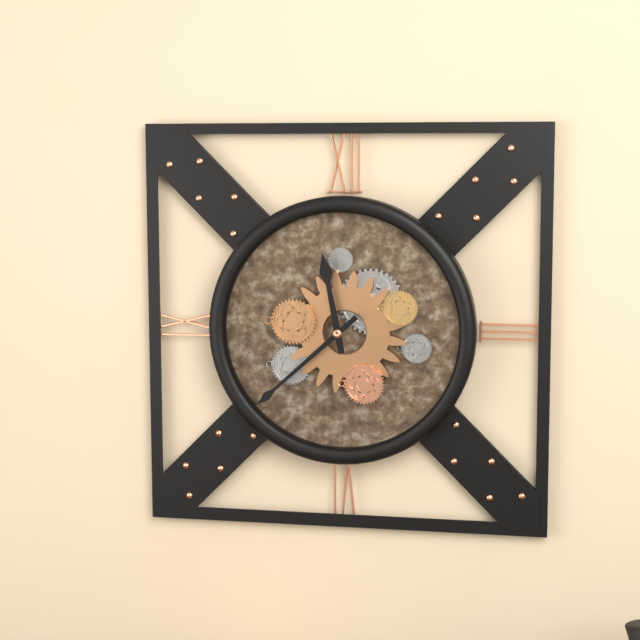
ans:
**11:38**
